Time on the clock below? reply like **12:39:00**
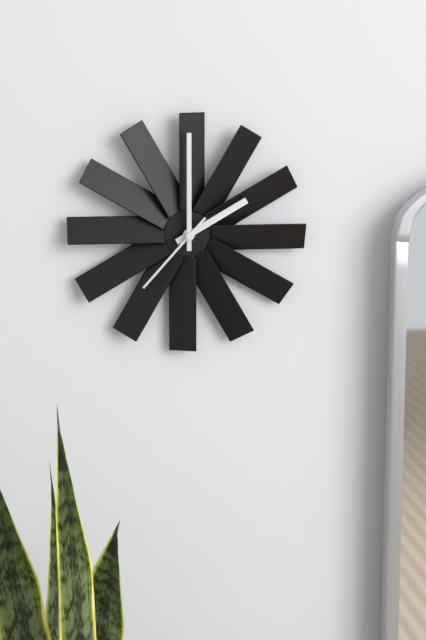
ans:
**2:00:37**
